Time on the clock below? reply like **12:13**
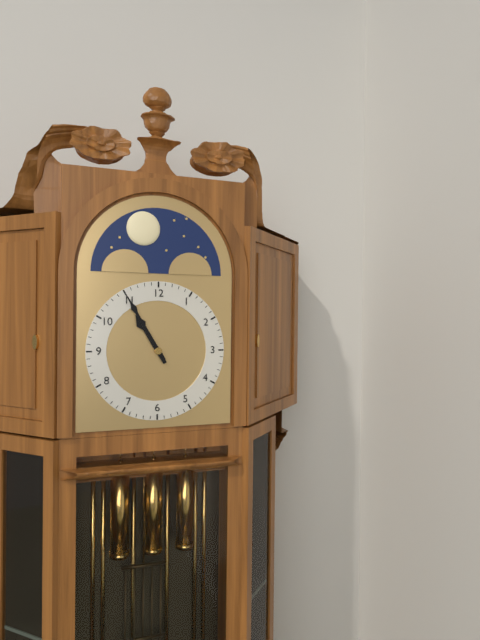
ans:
**10:55**
